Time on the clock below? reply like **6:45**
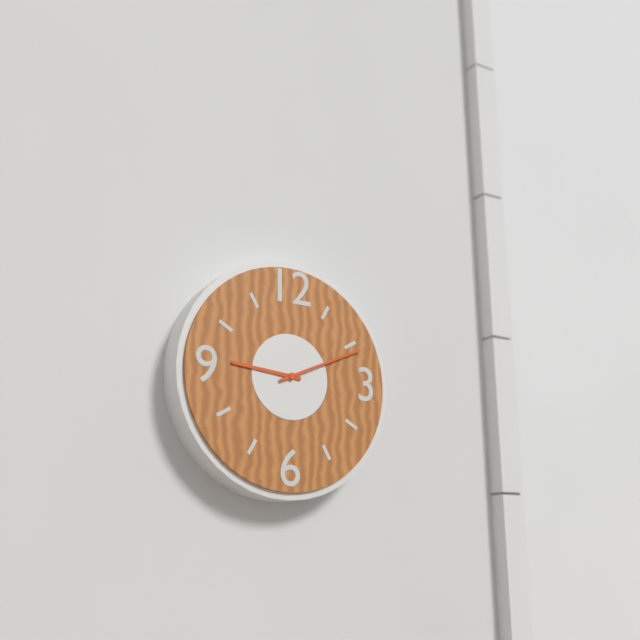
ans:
**9:11**
